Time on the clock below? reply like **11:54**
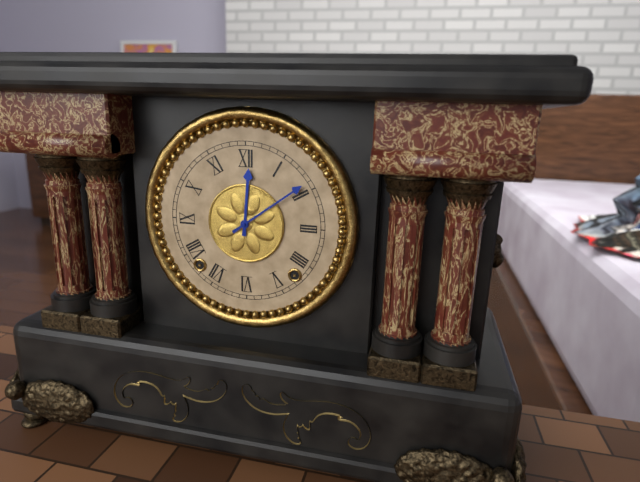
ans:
**12:09**
